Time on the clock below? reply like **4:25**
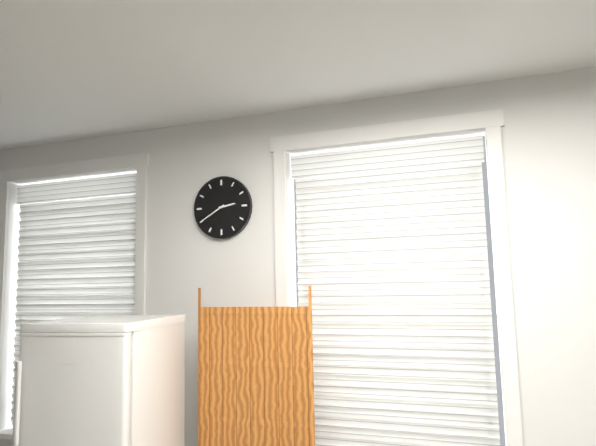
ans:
**2:40**
